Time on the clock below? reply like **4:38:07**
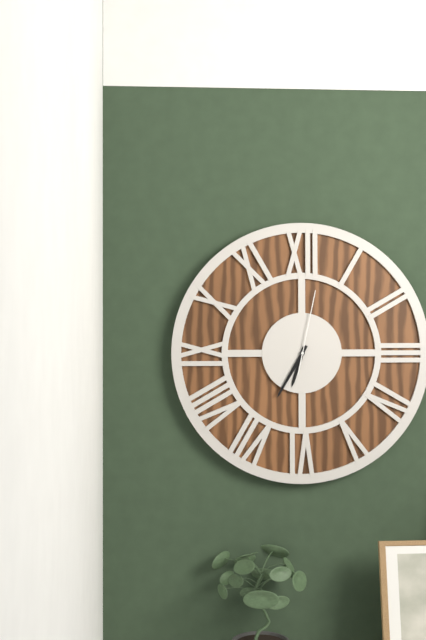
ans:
**6:35:02**
